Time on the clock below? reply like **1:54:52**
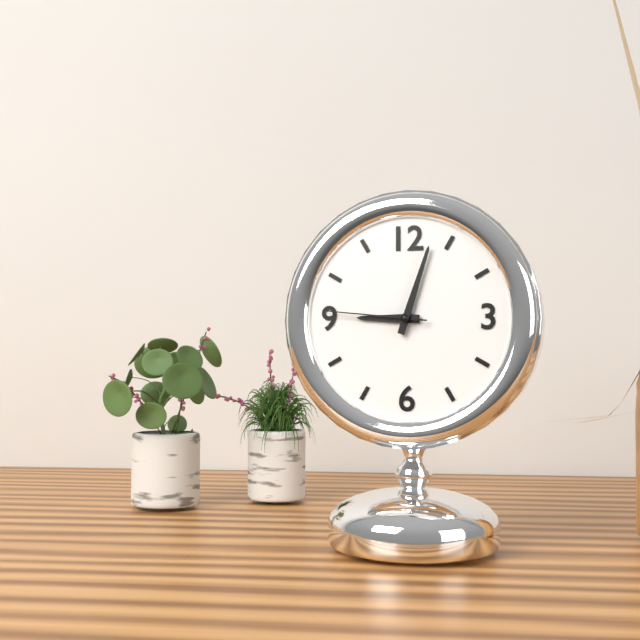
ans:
**9:03:46**
